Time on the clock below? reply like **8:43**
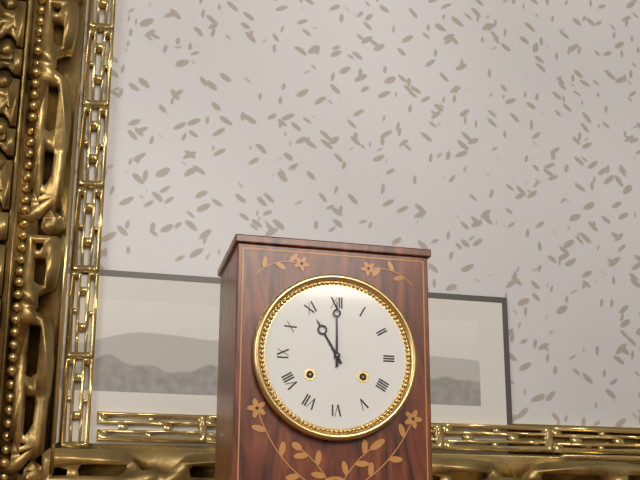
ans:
**11:00**
